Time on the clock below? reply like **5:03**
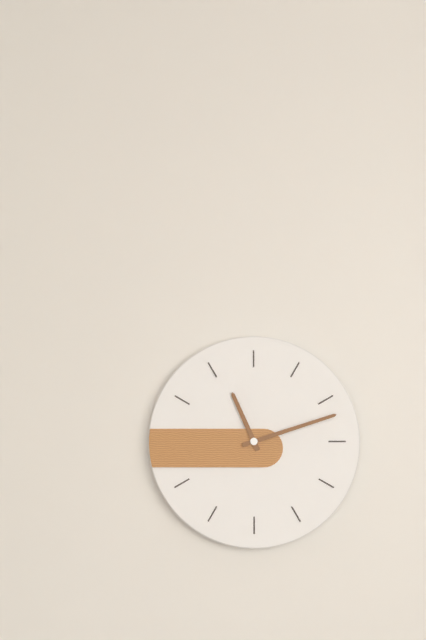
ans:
**11:12**
